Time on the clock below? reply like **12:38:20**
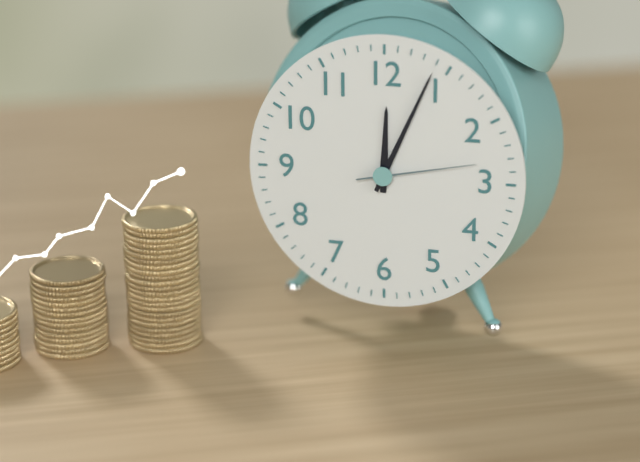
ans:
**12:04:13**
